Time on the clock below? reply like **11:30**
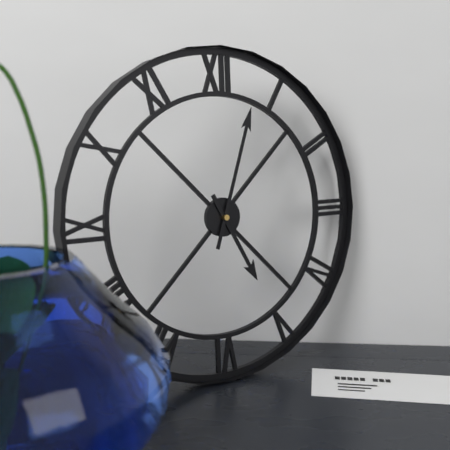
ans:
**5:03**
